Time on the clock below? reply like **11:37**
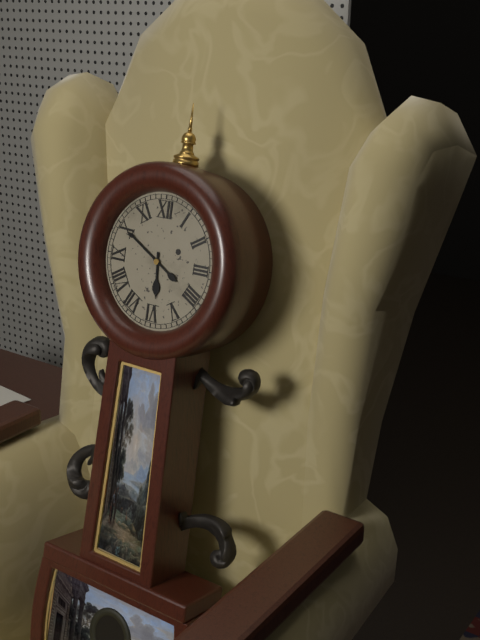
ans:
**5:50**
